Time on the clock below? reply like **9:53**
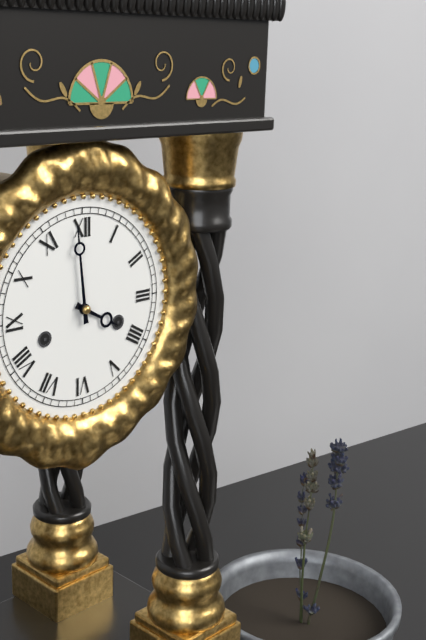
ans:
**3:59**
